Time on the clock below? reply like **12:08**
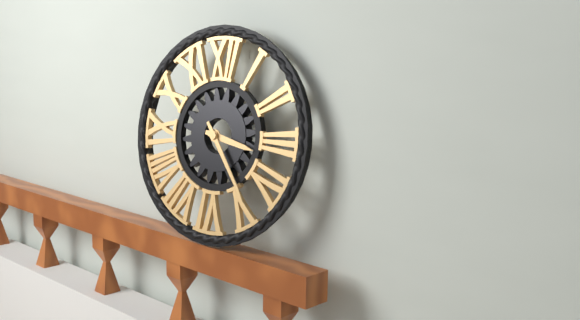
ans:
**3:24**
